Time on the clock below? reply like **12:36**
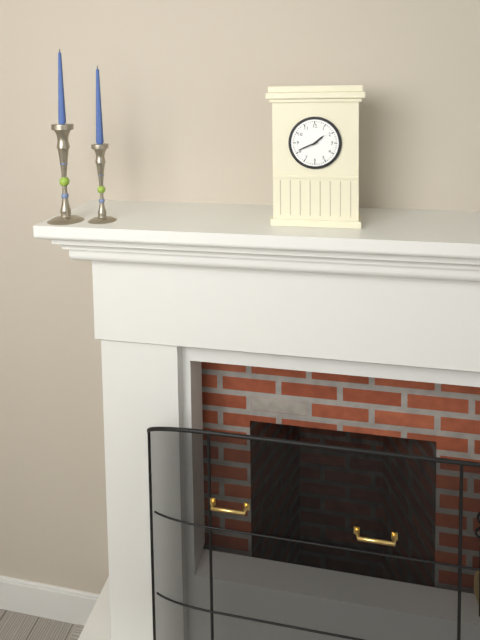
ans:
**1:41**
